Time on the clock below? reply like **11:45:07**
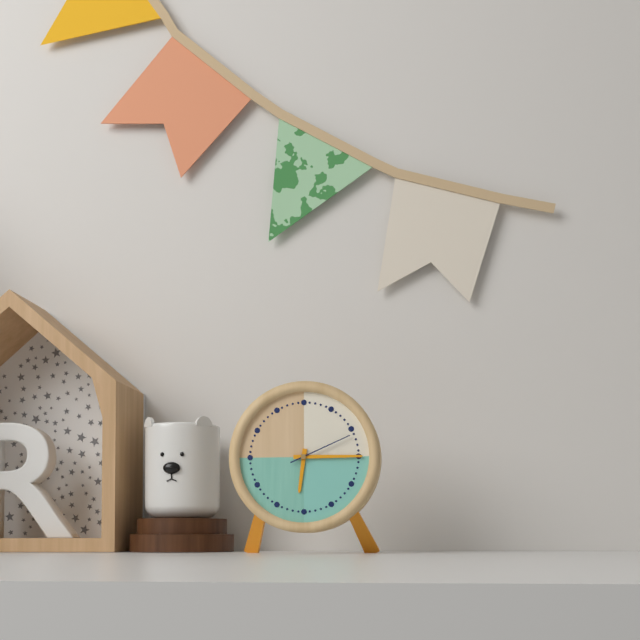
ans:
**6:15:11**
